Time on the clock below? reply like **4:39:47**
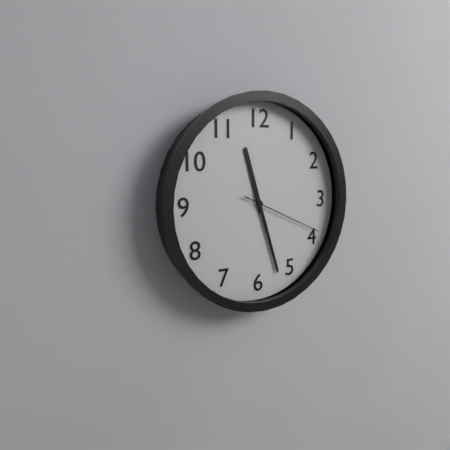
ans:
**11:27:19**
